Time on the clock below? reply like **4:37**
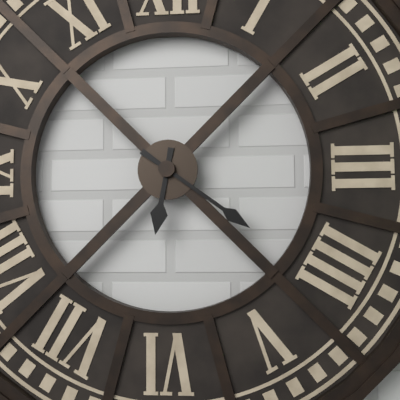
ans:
**6:21**
